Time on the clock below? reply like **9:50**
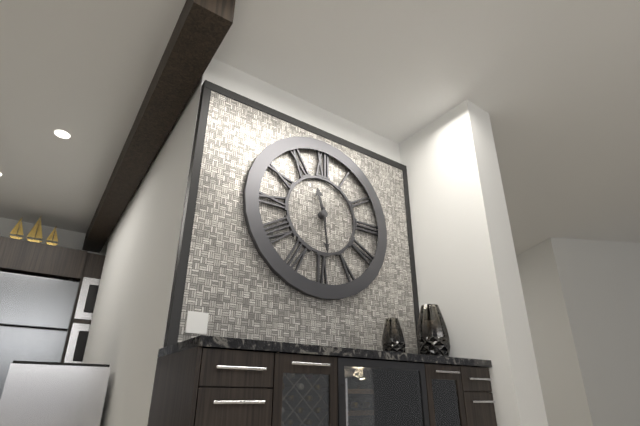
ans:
**11:29**
